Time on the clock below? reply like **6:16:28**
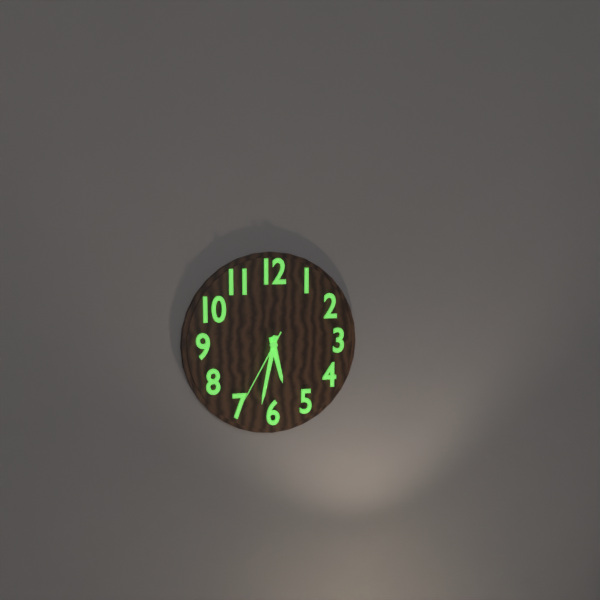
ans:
**5:32:35**
